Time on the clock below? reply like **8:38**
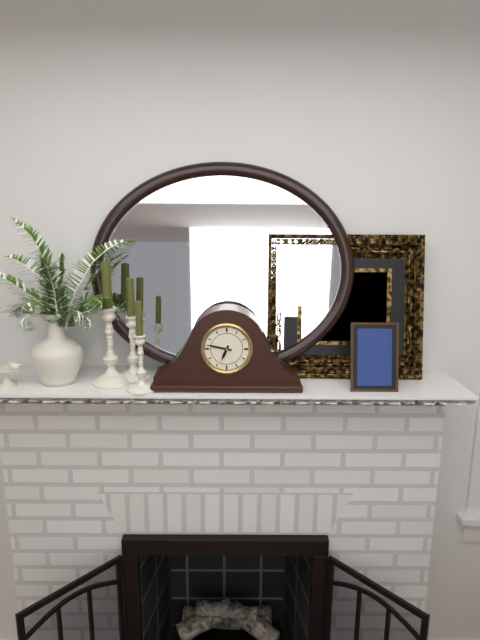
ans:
**6:47**
